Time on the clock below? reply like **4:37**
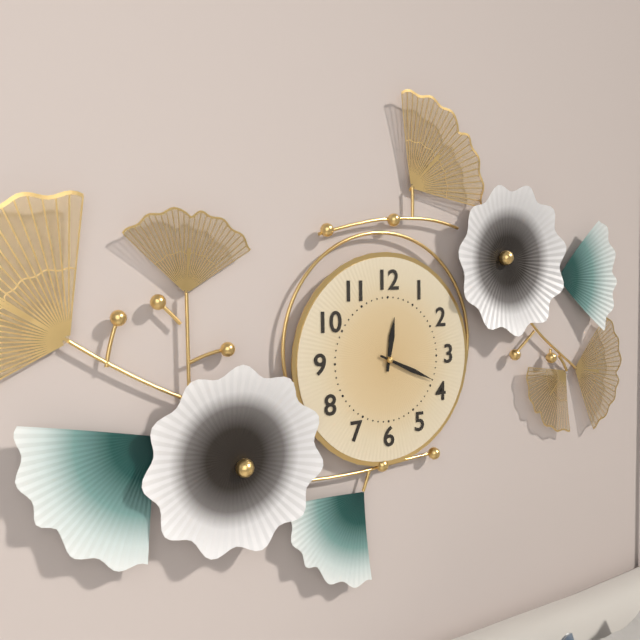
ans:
**12:19**
